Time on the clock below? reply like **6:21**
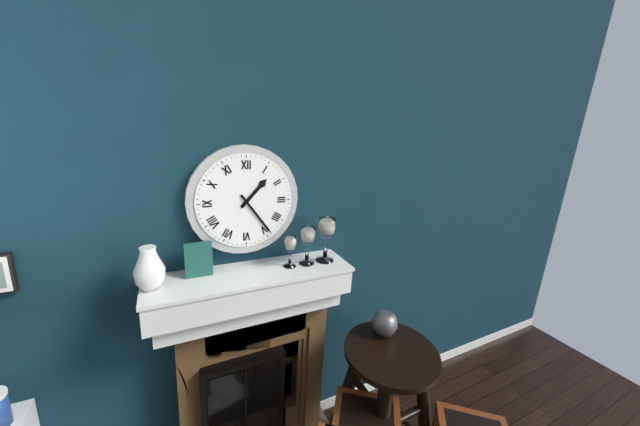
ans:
**1:24**
